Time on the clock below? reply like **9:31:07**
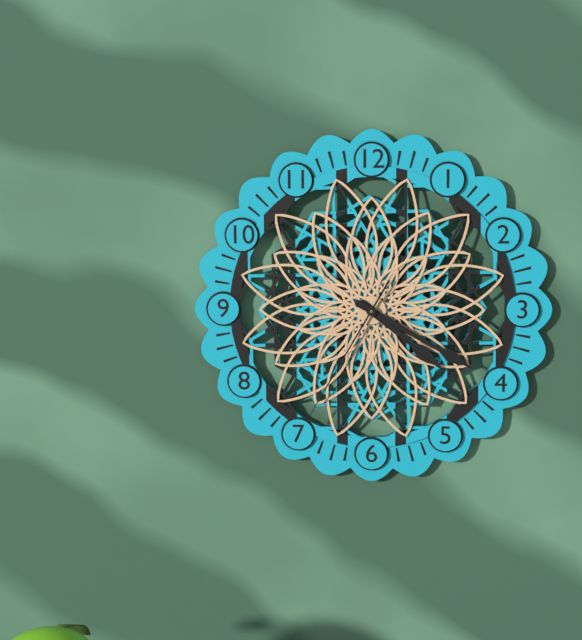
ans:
**4:20:35**
